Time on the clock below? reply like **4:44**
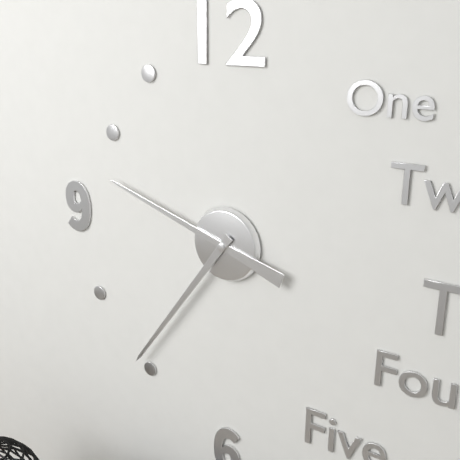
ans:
**9:36**
